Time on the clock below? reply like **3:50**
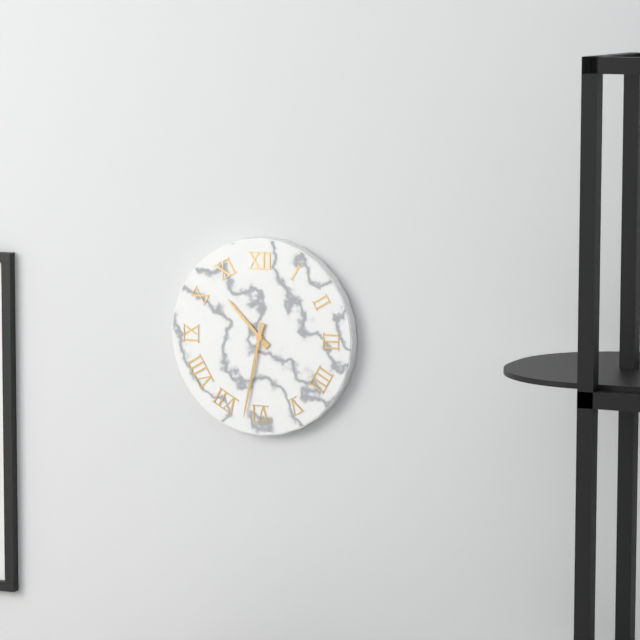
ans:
**10:32**
